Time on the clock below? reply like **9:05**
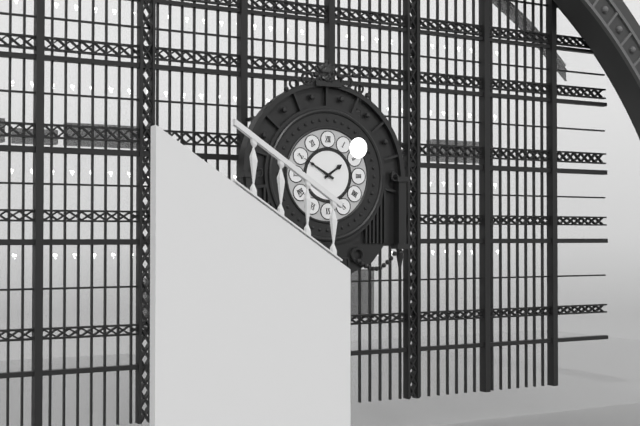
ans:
**1:50**
